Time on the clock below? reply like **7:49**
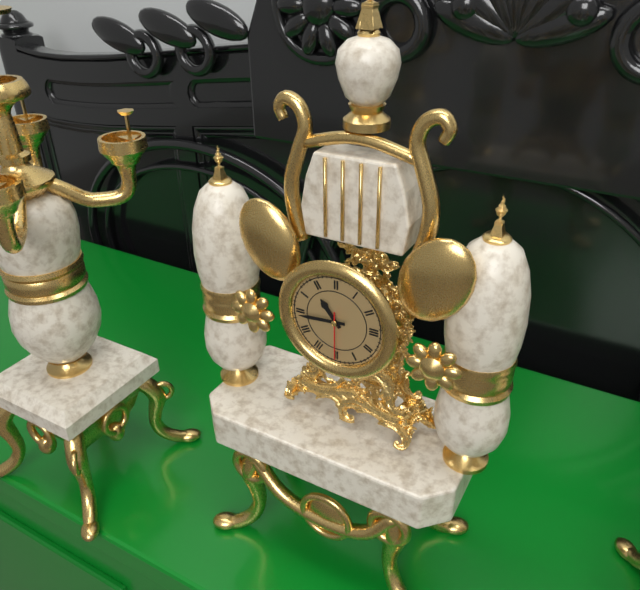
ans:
**10:44**
